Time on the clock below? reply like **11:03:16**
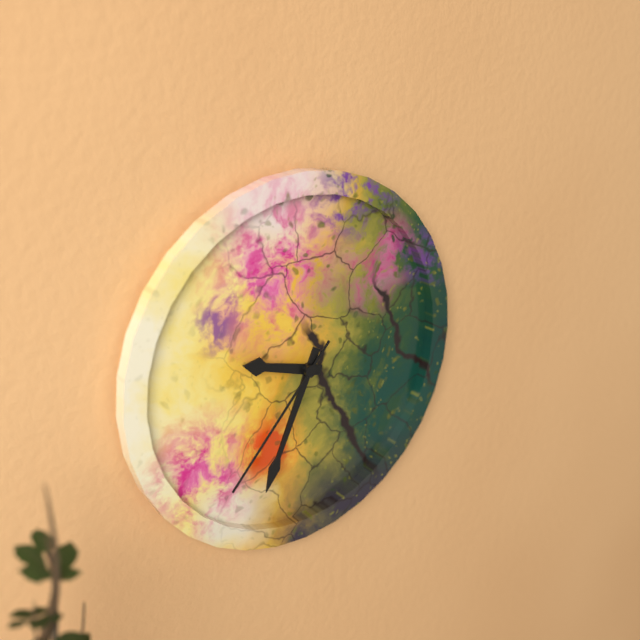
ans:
**9:34:37**
